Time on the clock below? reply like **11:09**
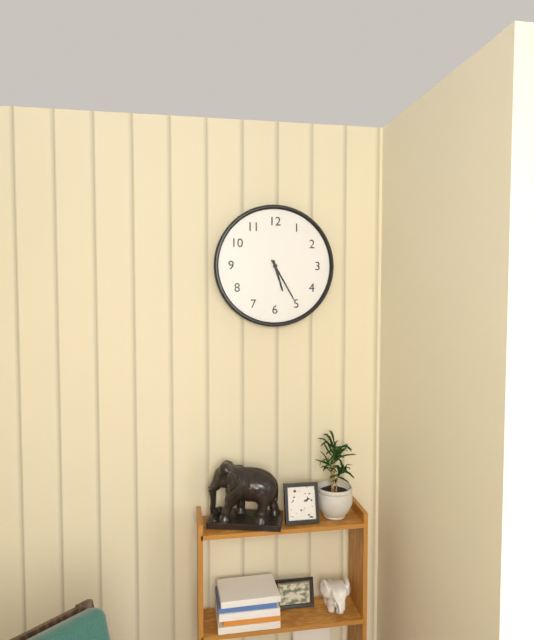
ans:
**5:25**
